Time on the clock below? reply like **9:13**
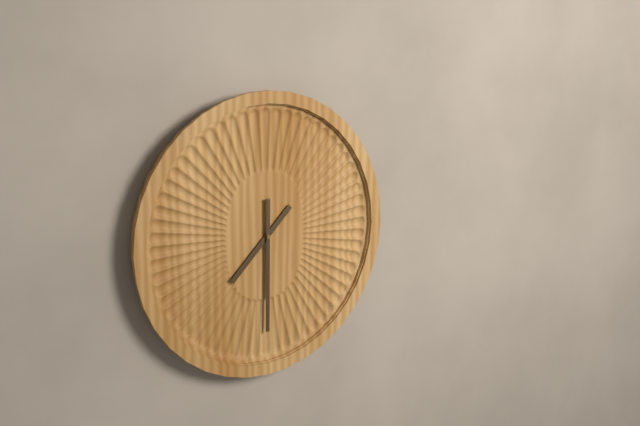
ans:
**7:30**
